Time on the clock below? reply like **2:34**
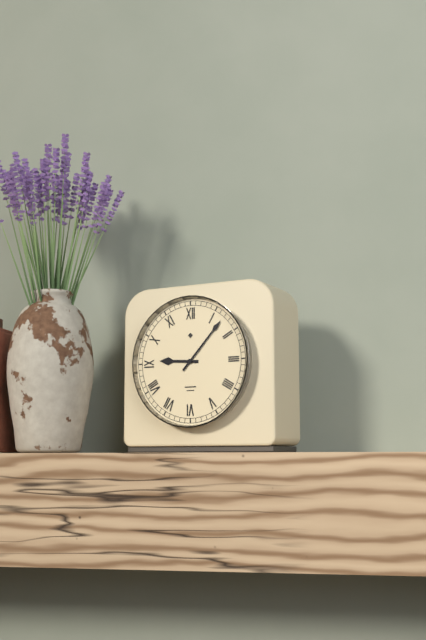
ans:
**9:07**
